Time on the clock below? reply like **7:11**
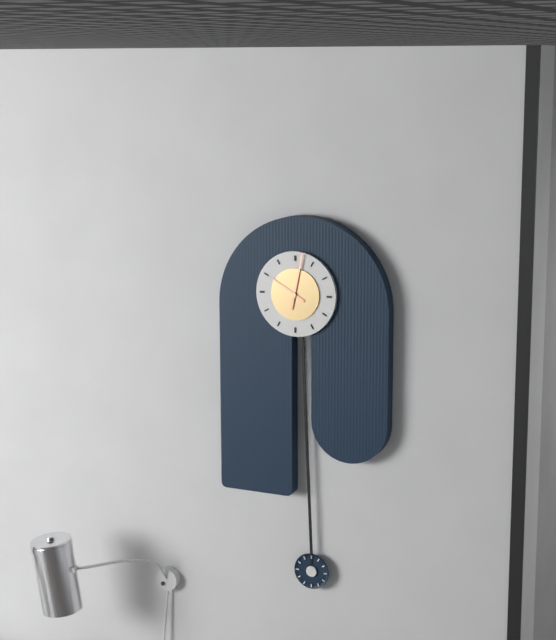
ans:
**10:02**
